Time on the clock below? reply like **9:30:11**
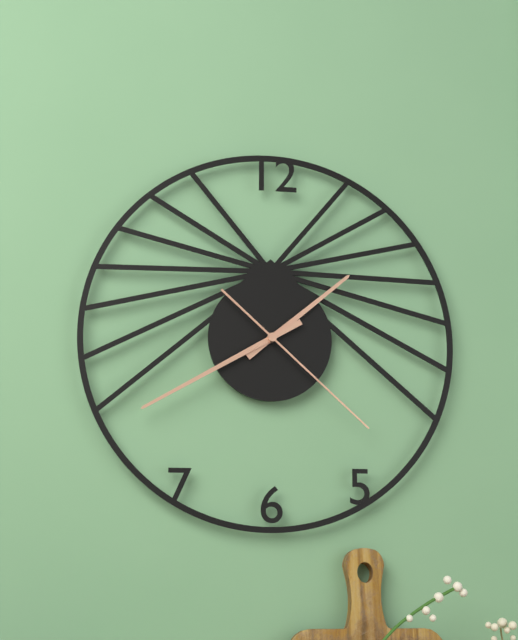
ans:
**1:40:22**
